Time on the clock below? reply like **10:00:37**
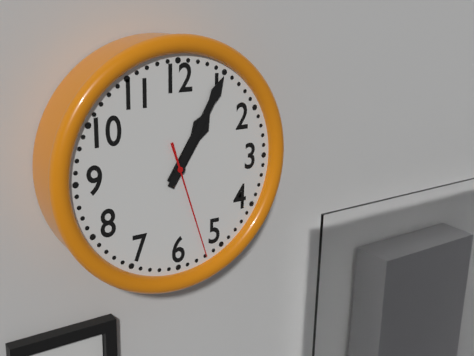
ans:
**1:05:27**
